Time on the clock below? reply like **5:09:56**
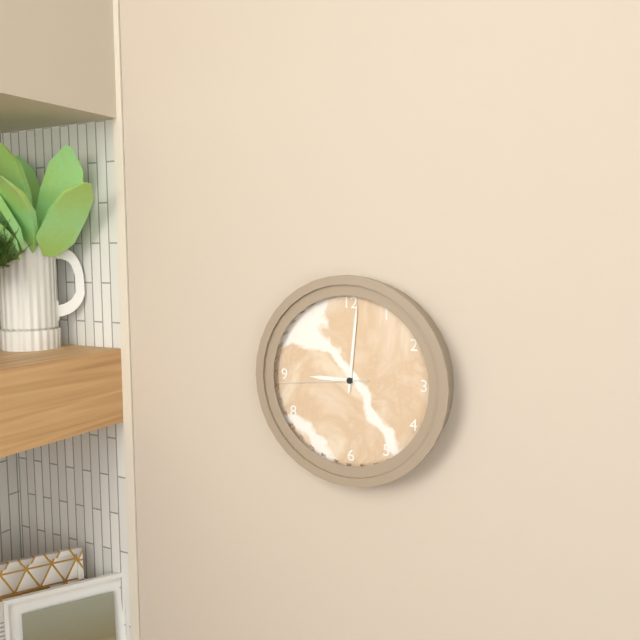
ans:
**9:01:44**
